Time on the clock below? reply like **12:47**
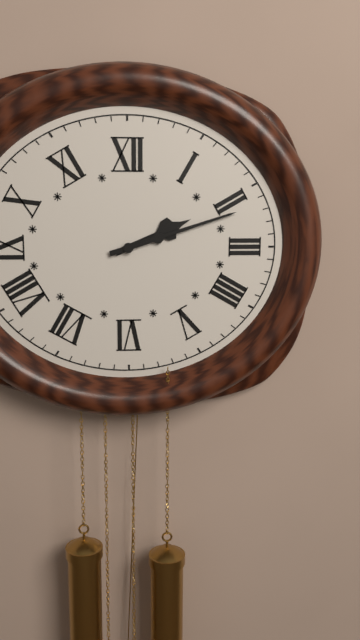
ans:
**2:12**
